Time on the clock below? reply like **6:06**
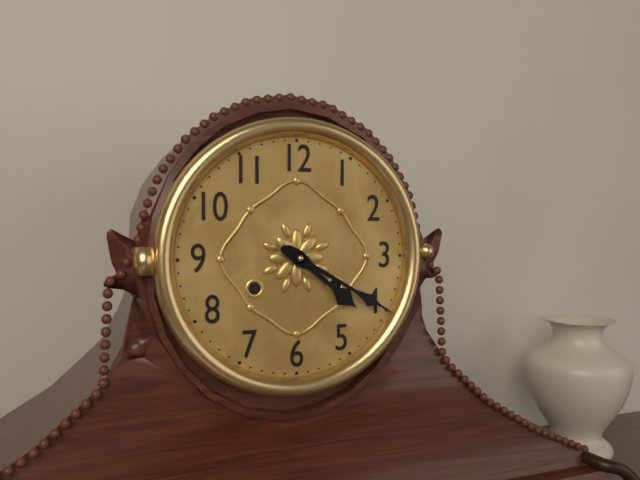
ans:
**4:20**
